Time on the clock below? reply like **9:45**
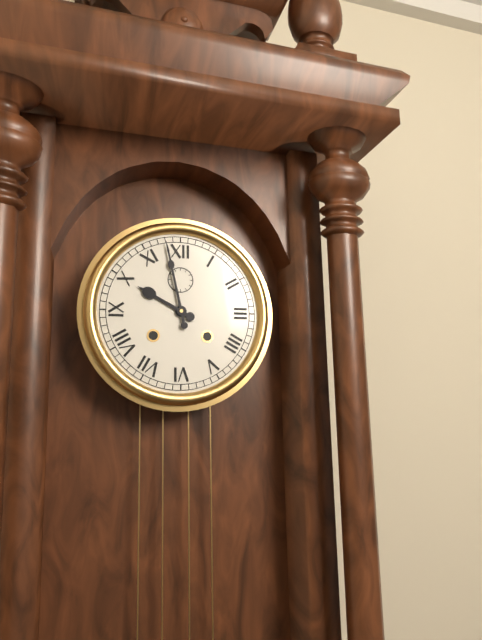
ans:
**9:58**
